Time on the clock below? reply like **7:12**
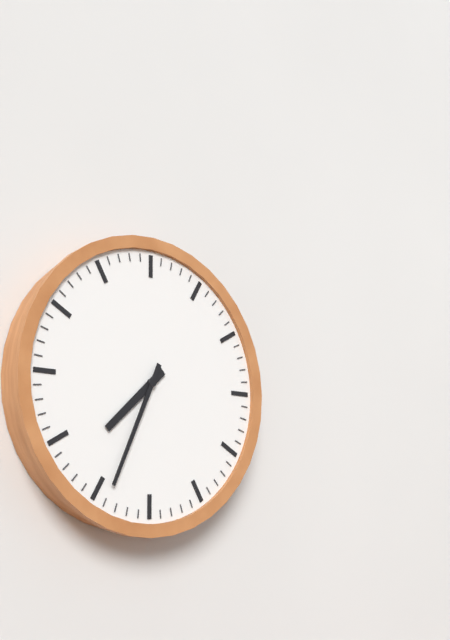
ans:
**7:34**
